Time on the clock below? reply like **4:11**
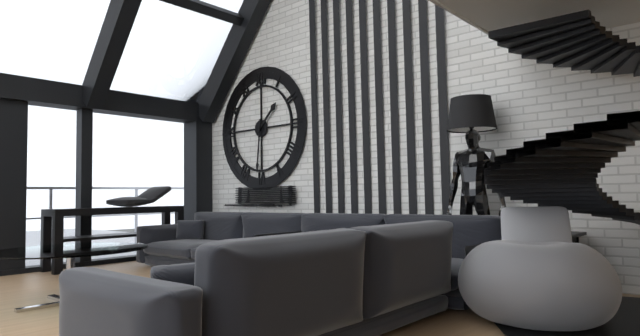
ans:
**1:31**
